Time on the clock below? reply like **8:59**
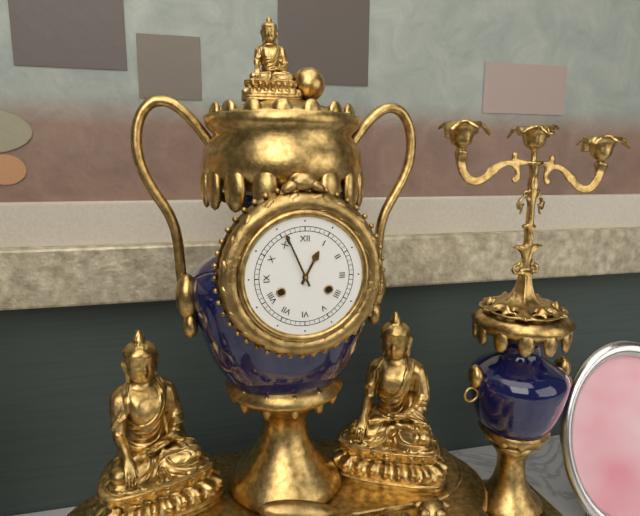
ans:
**12:56**
